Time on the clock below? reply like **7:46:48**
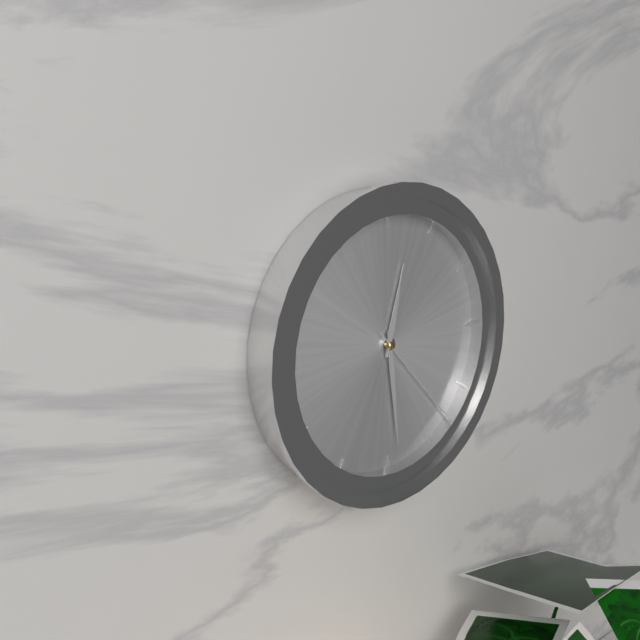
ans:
**12:29:23**
